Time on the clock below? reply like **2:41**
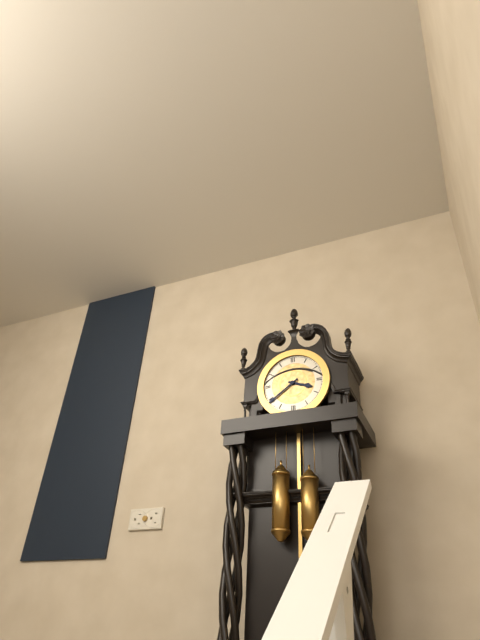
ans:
**3:39**
